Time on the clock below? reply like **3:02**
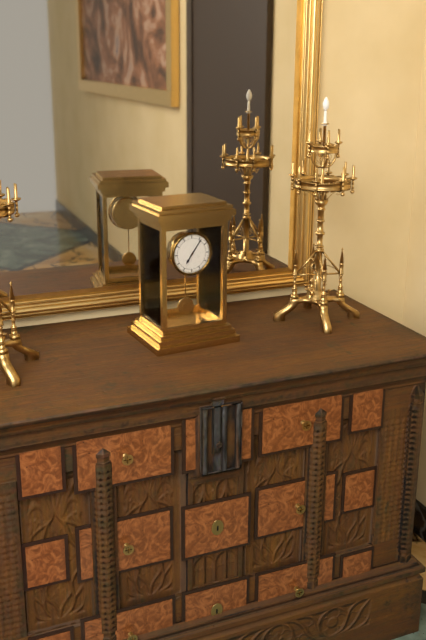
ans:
**7:06**
